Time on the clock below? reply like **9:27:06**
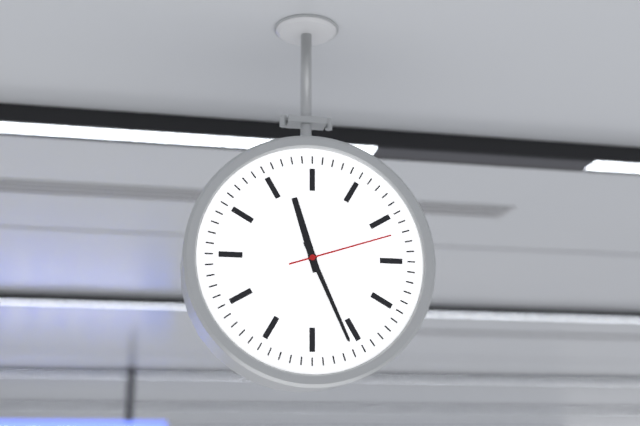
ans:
**11:26:12**
